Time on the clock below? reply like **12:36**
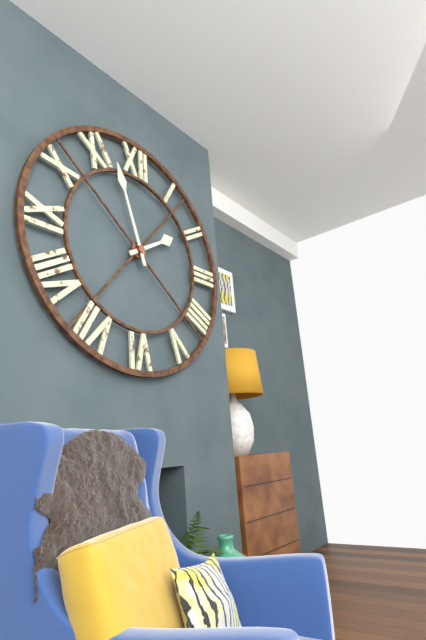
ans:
**1:57**
